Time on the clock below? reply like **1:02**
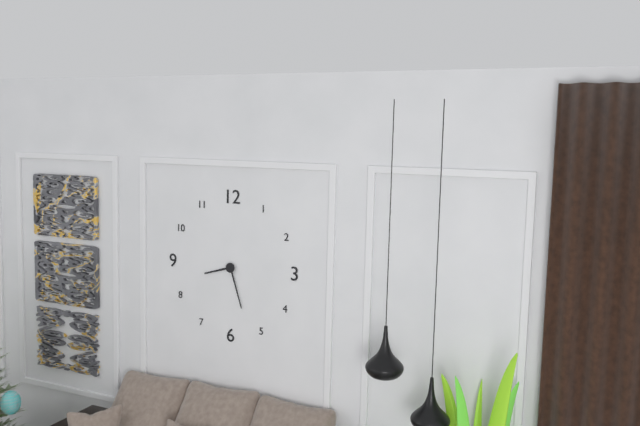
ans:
**8:27**
